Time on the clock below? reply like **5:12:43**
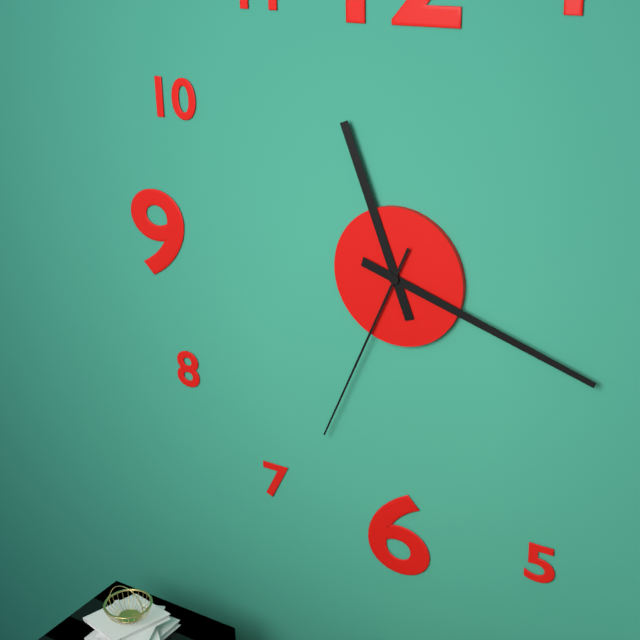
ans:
**11:18:34**
